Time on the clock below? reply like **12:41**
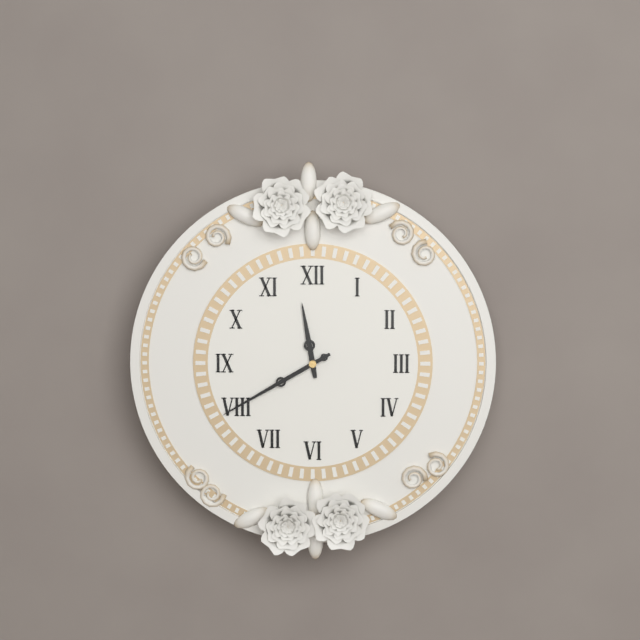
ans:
**11:40**
